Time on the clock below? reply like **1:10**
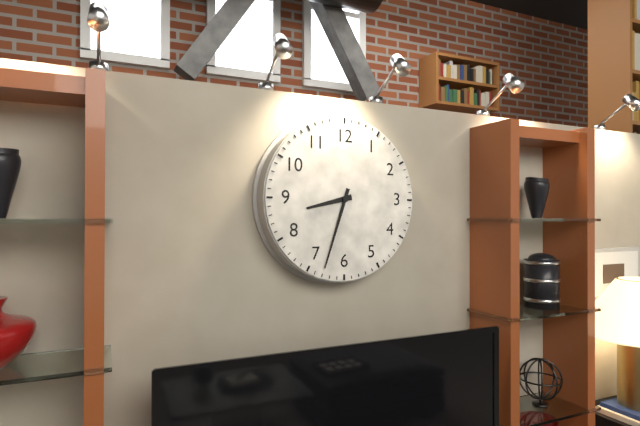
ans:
**8:33**
